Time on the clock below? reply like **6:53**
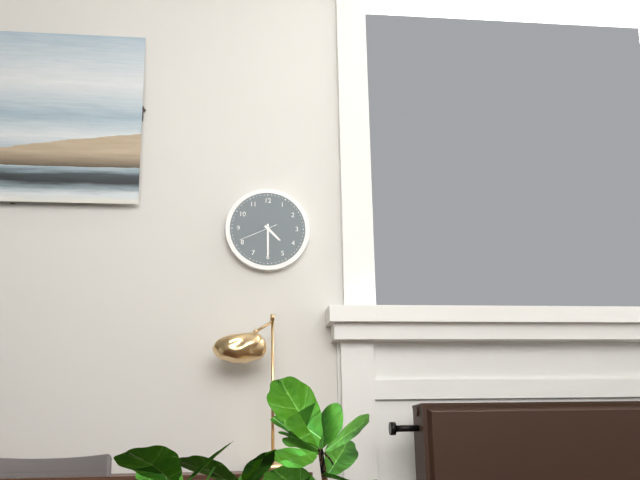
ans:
**4:30**
